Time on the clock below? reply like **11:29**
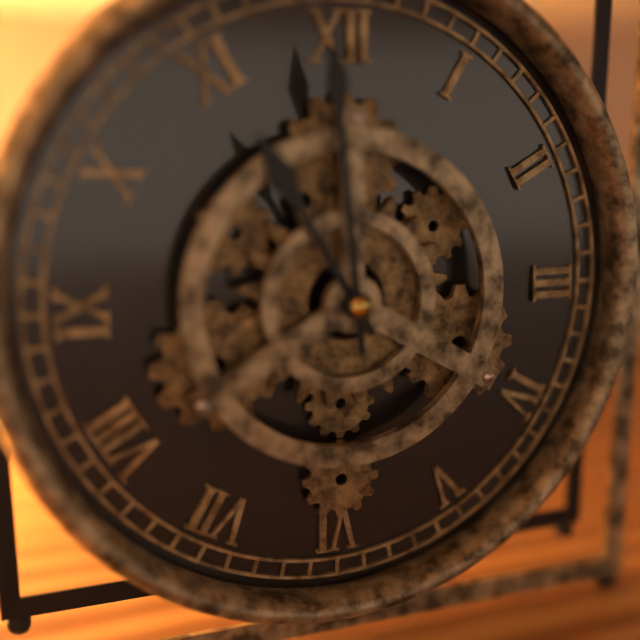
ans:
**10:59**
